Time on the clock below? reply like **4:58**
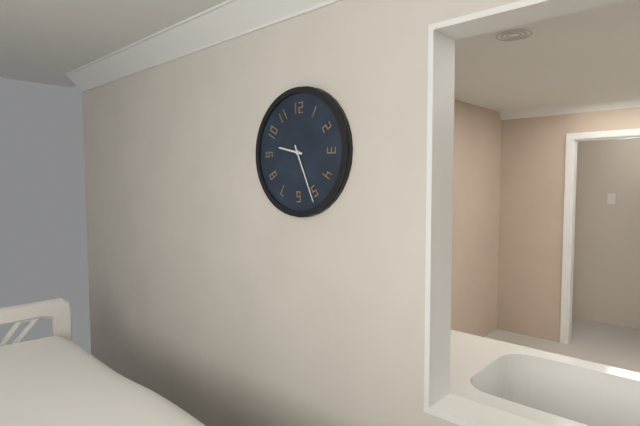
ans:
**9:26**
